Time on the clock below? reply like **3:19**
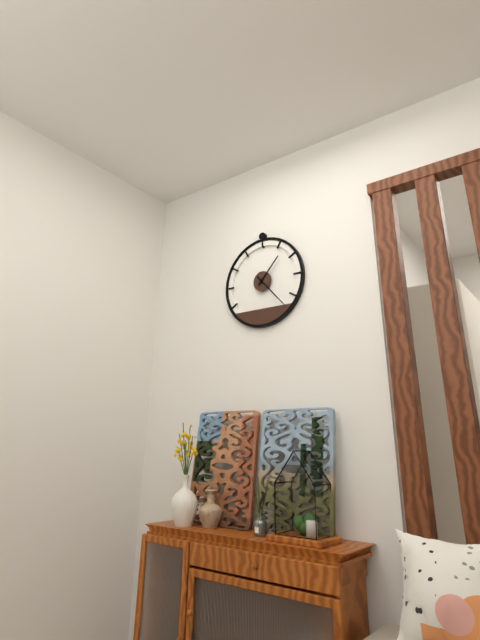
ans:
**1:23**
